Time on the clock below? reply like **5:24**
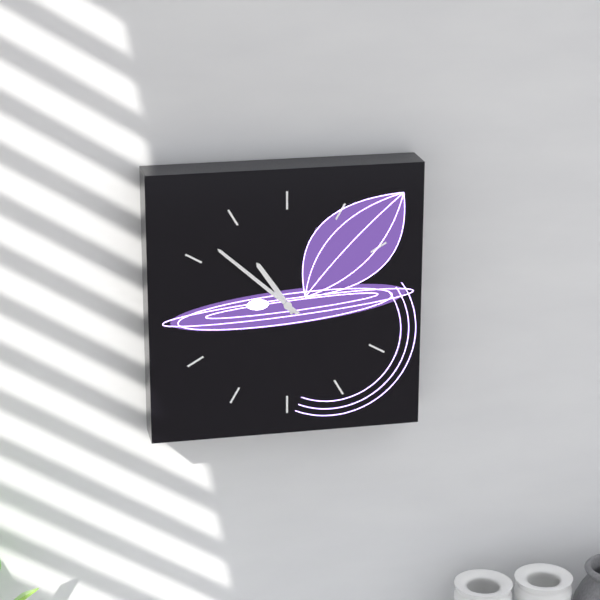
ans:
**10:52**
